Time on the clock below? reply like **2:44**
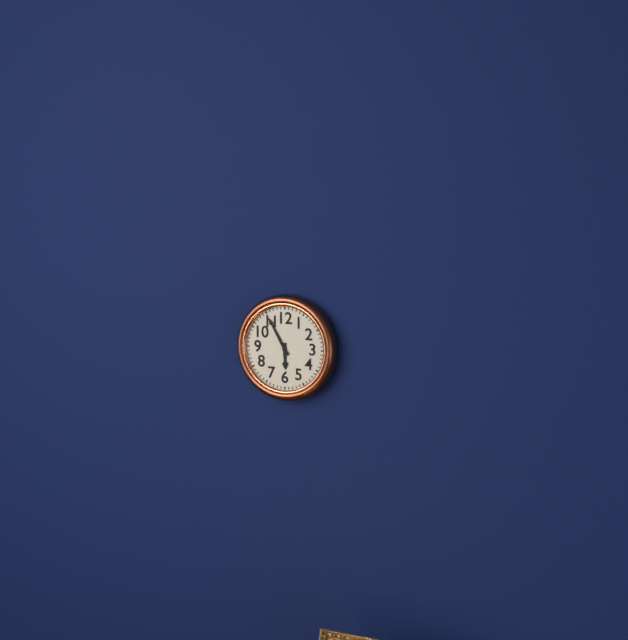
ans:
**5:55**
